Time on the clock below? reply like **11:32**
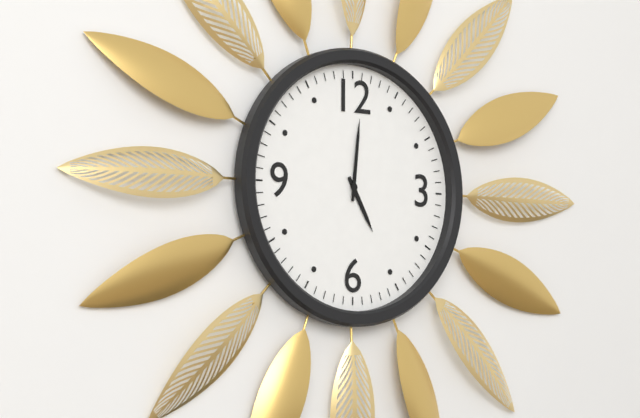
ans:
**5:01**
